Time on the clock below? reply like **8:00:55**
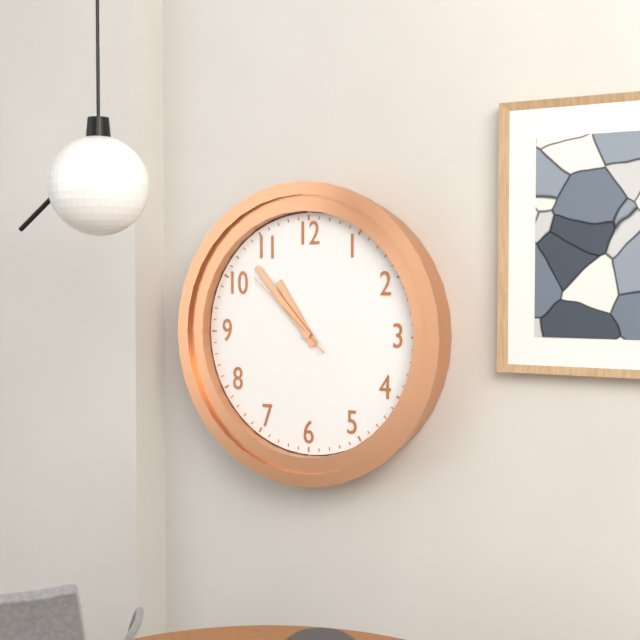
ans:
**10:53:52**
